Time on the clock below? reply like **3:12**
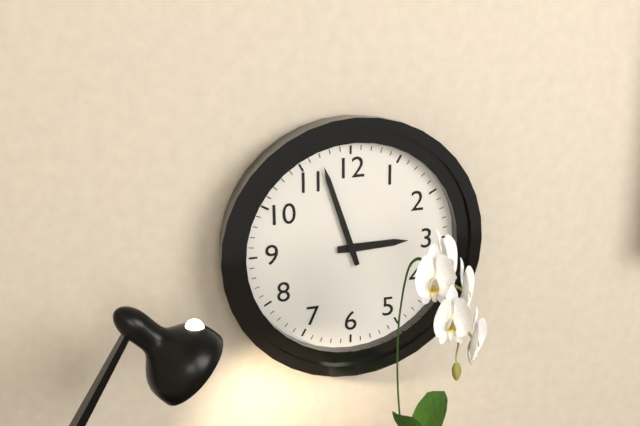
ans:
**2:57**
